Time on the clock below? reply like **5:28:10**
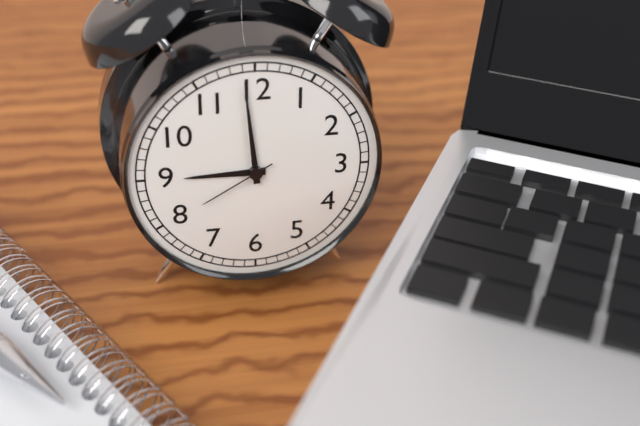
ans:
**8:59:40**
